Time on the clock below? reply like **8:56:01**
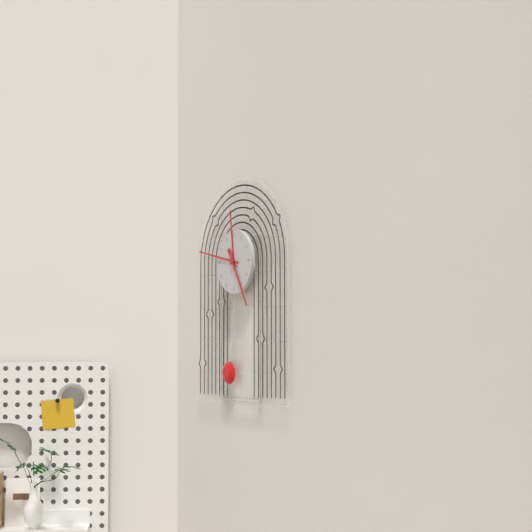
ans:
**11:47:25**
